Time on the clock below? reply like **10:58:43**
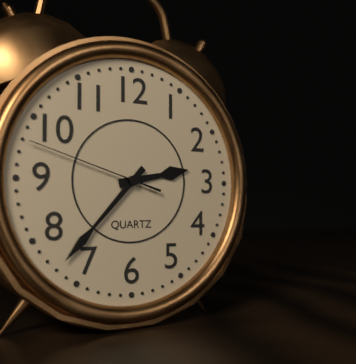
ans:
**2:37:48**
